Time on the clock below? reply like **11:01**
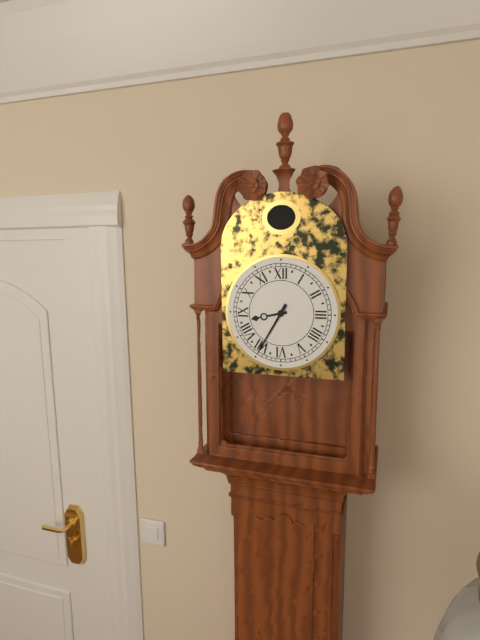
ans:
**8:35**
